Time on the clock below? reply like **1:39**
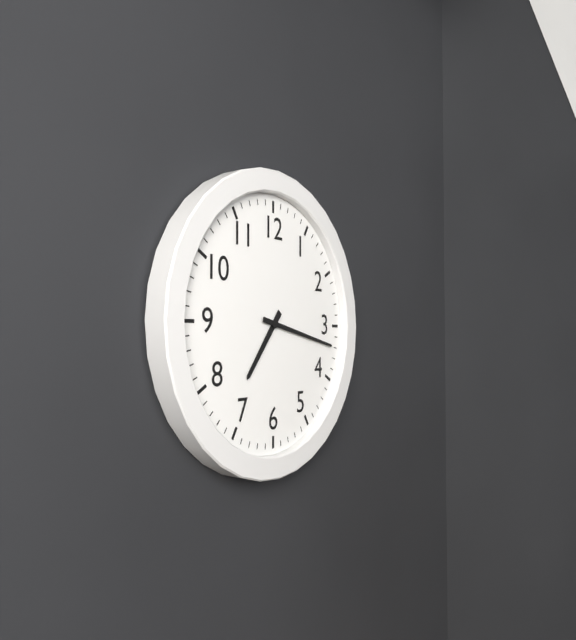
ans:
**7:17**
